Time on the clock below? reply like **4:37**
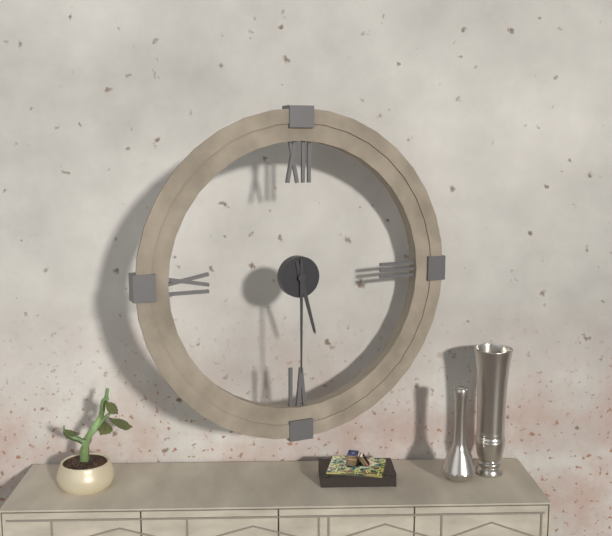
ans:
**5:30**
